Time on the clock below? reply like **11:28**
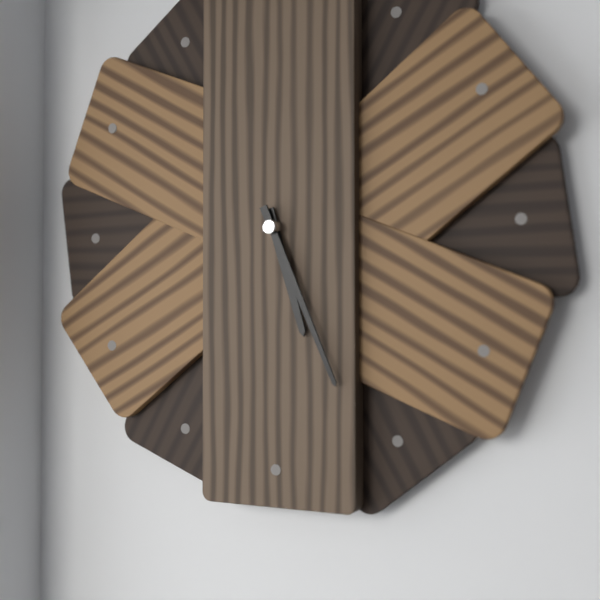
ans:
**5:26**
